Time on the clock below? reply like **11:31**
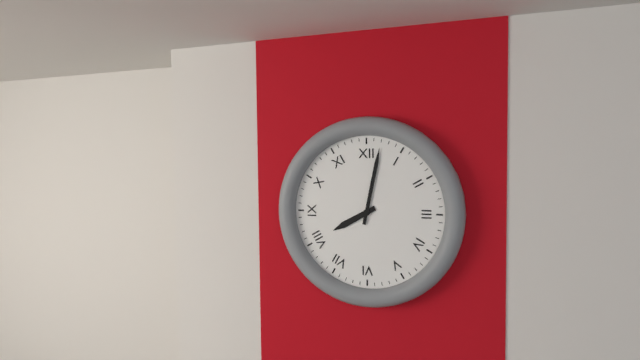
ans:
**8:02**
